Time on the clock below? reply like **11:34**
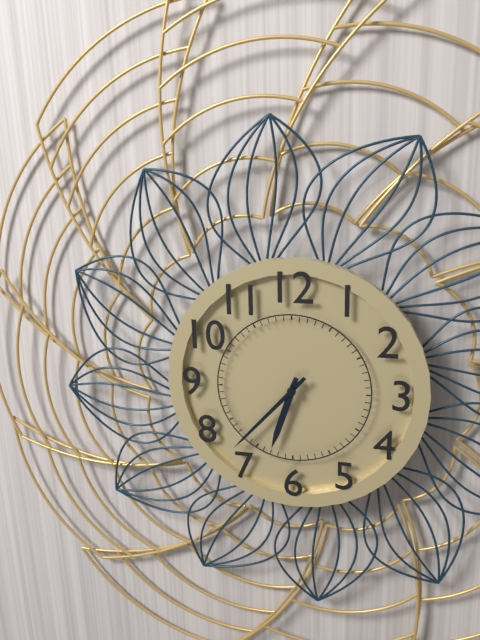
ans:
**6:37**
